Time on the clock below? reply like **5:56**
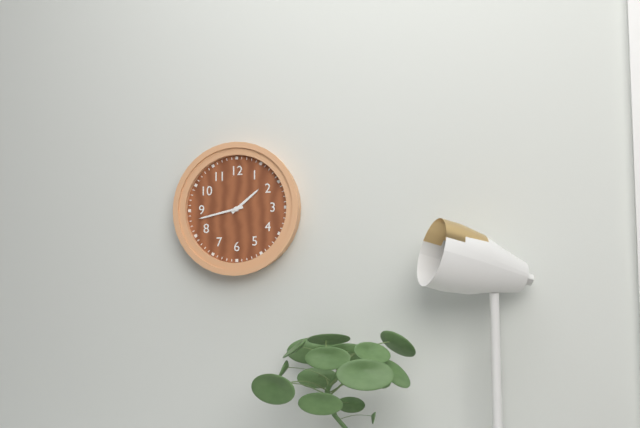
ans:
**1:43**
